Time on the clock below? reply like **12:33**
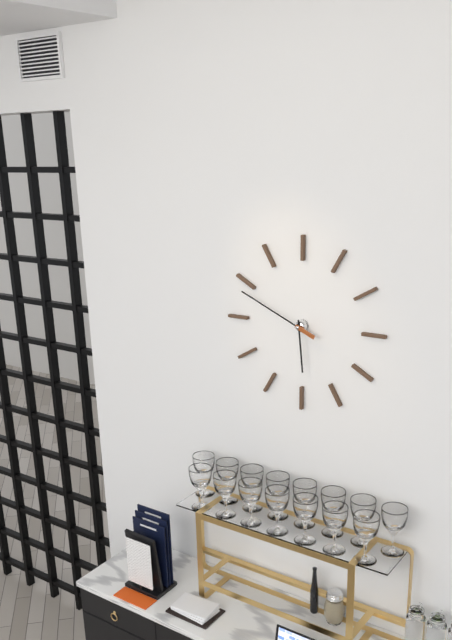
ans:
**5:49**
